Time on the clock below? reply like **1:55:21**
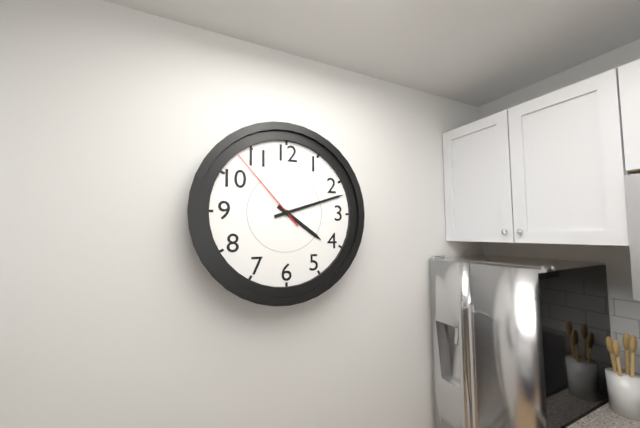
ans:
**4:12:53**
